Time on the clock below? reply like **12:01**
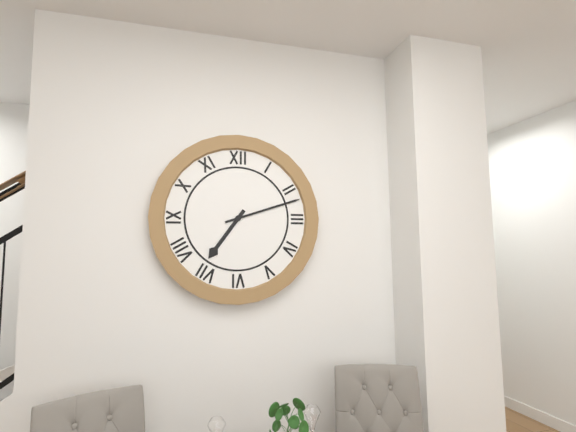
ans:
**7:12**
